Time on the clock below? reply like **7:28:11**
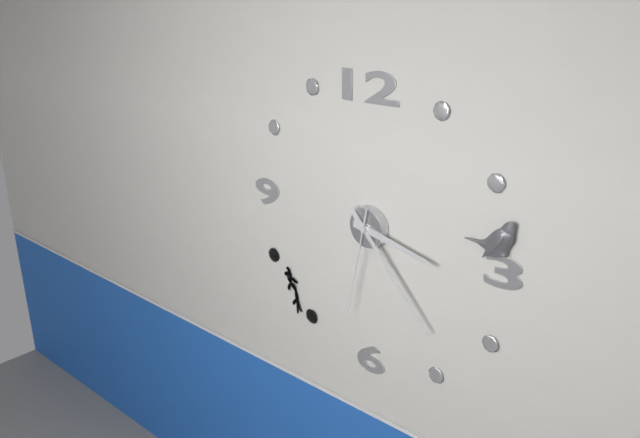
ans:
**3:23:32**
